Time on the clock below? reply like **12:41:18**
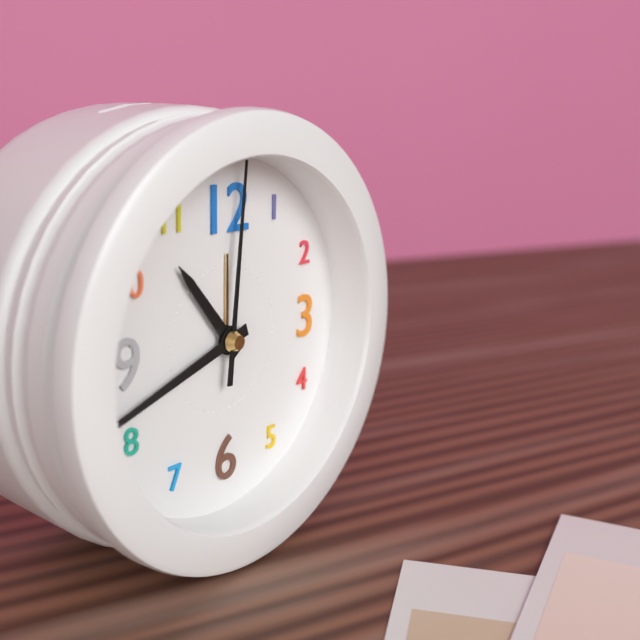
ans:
**10:42:01**
